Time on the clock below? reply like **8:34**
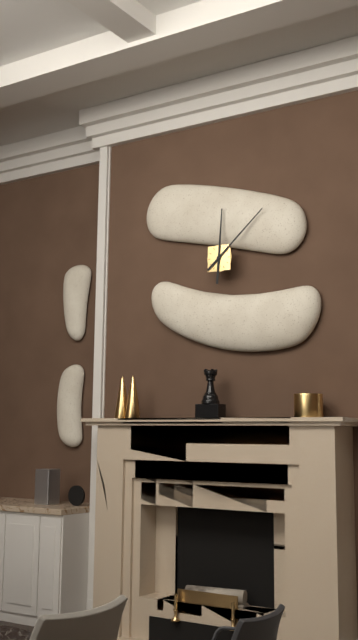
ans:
**12:08**
